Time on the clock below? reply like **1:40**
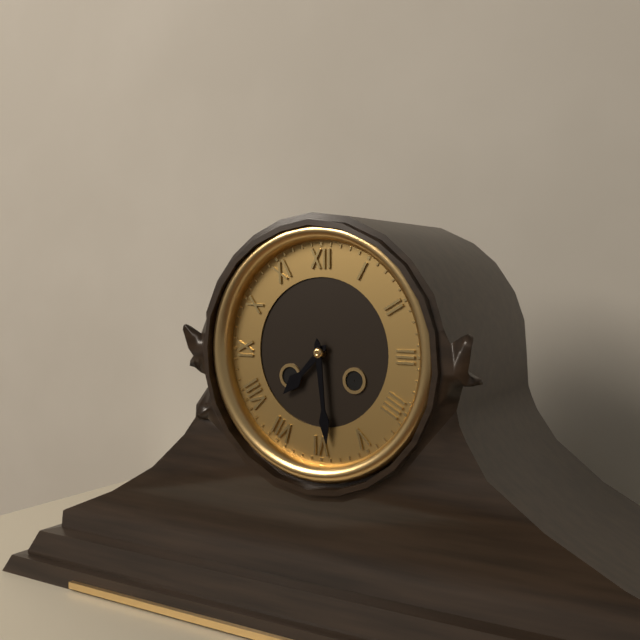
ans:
**7:29**
